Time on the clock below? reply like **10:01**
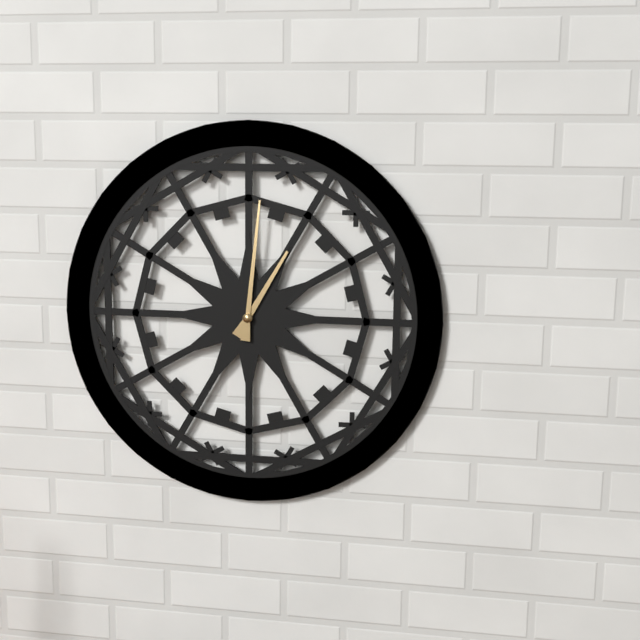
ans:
**1:01**
